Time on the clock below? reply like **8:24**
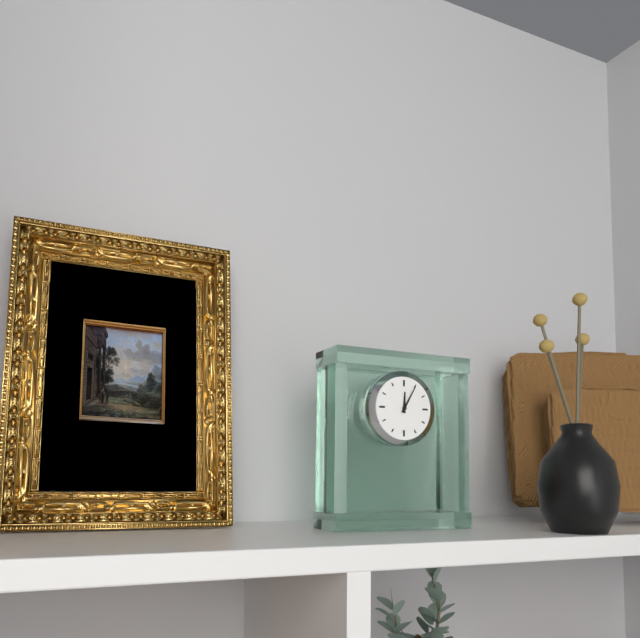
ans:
**12:05**
